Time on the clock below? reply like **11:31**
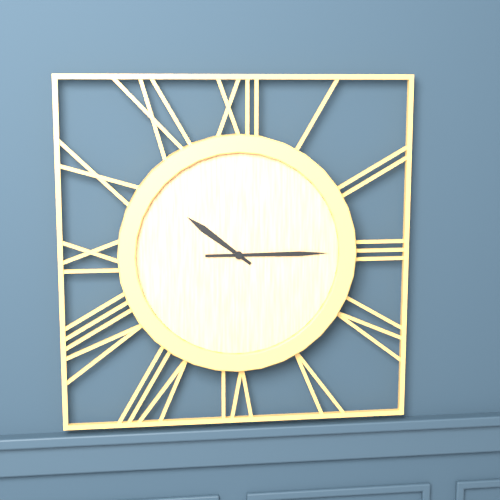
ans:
**10:15**
